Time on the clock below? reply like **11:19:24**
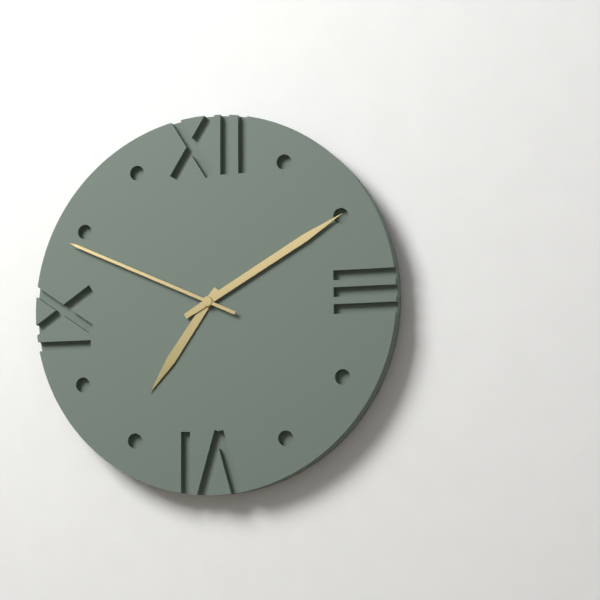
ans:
**7:10:49**
